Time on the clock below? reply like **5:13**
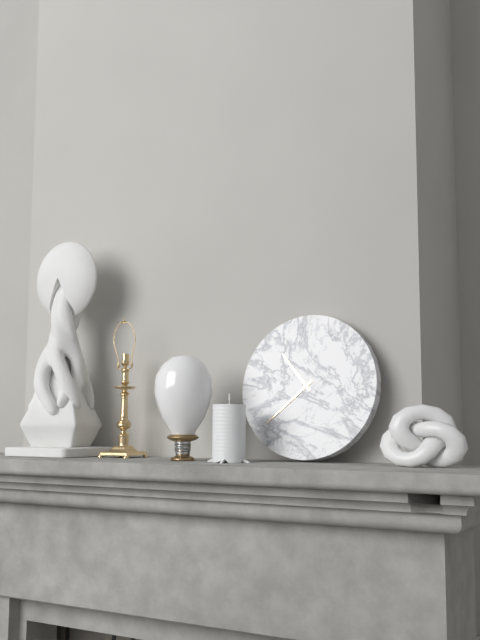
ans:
**10:38**
